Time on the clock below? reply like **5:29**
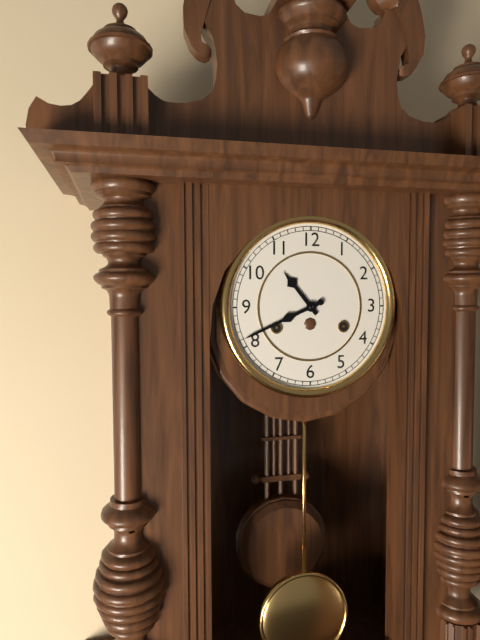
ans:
**10:41**
